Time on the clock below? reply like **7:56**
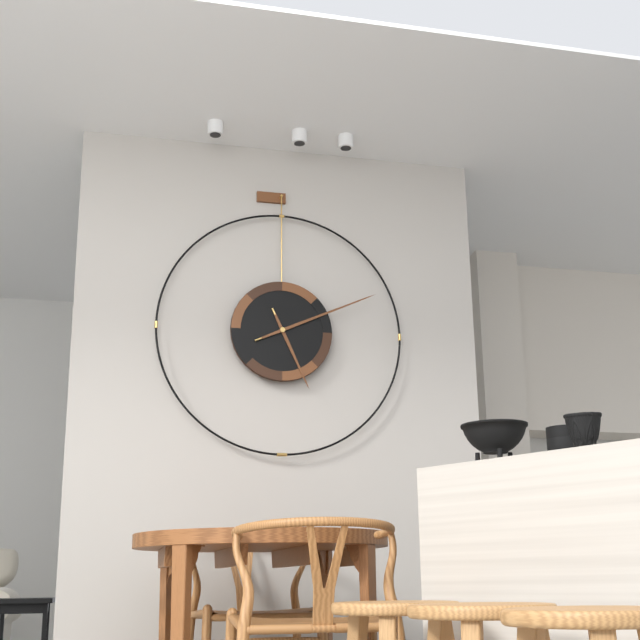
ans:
**5:11**
